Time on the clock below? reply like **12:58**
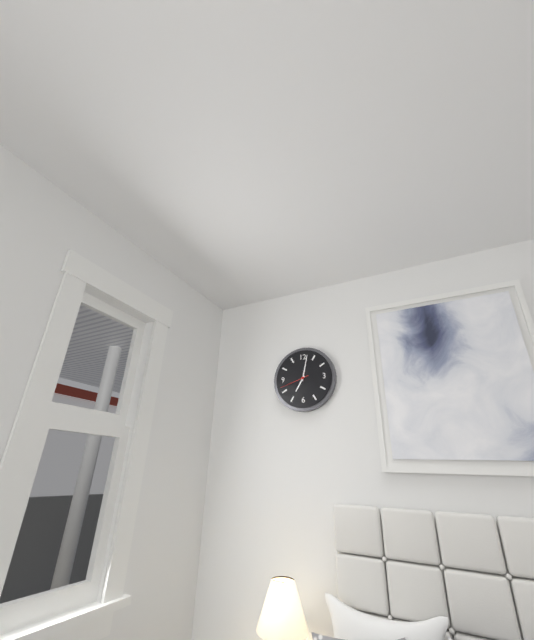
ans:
**7:02**
